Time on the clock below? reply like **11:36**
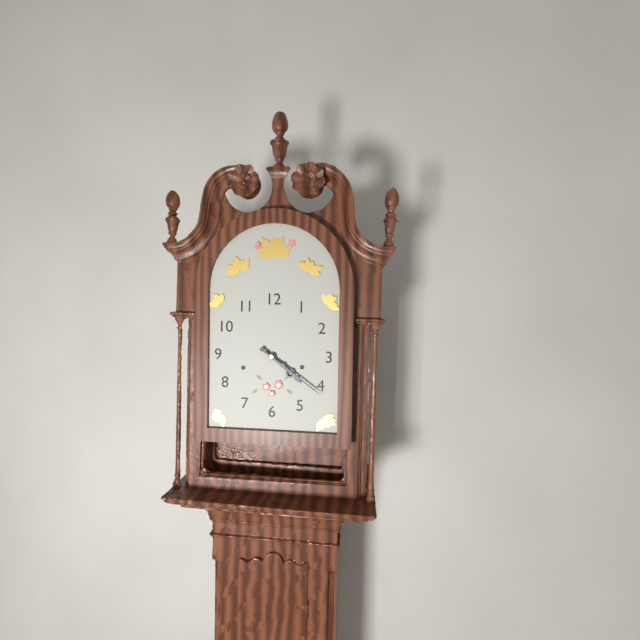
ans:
**4:21**
